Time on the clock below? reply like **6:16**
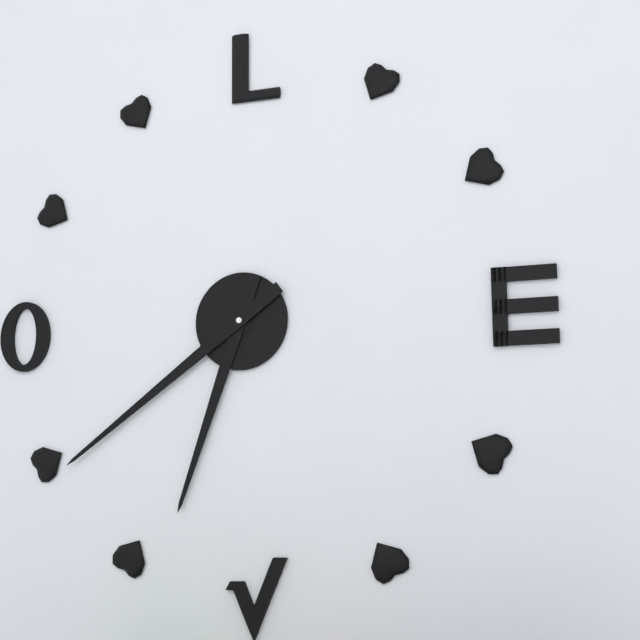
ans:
**6:39**
